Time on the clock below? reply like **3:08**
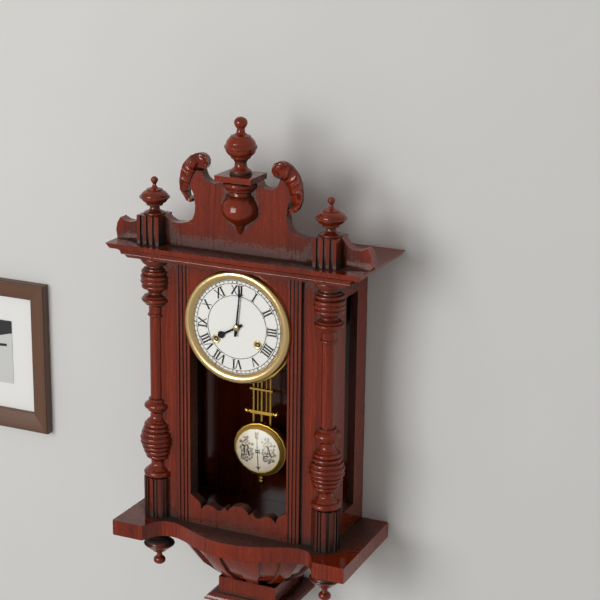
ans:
**8:01**
